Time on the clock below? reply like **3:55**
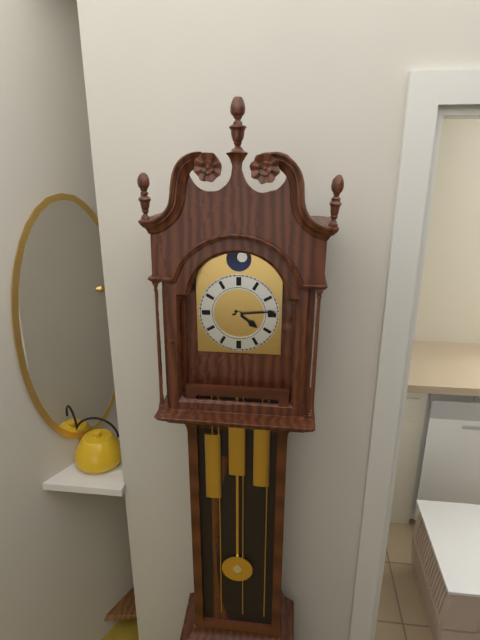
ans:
**4:14**
